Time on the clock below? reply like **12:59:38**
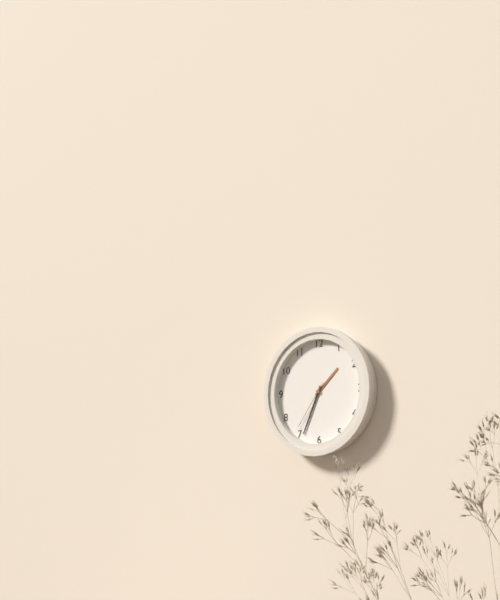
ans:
**1:34:36**
